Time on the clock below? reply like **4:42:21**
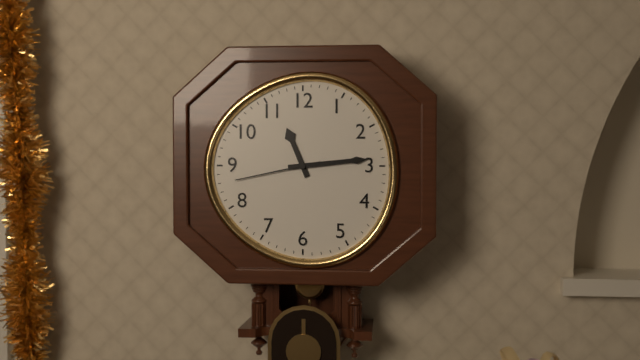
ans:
**11:14:43**
